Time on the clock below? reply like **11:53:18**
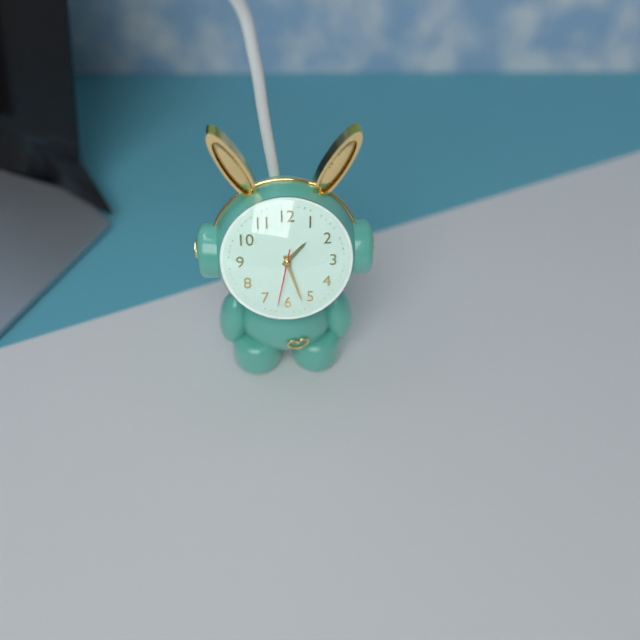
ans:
**1:27:32**
